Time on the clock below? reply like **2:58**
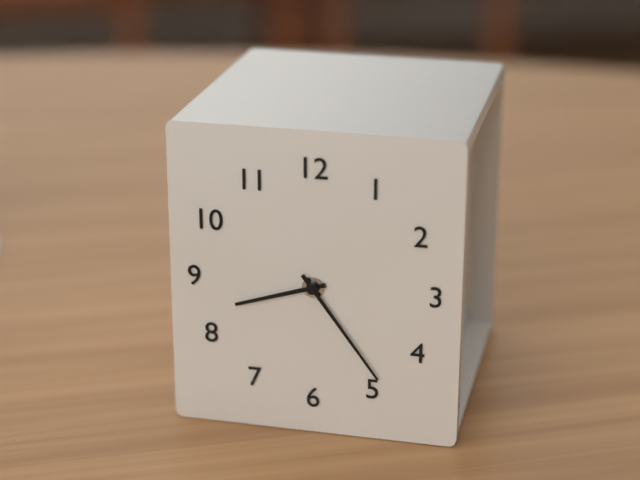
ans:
**8:24**
